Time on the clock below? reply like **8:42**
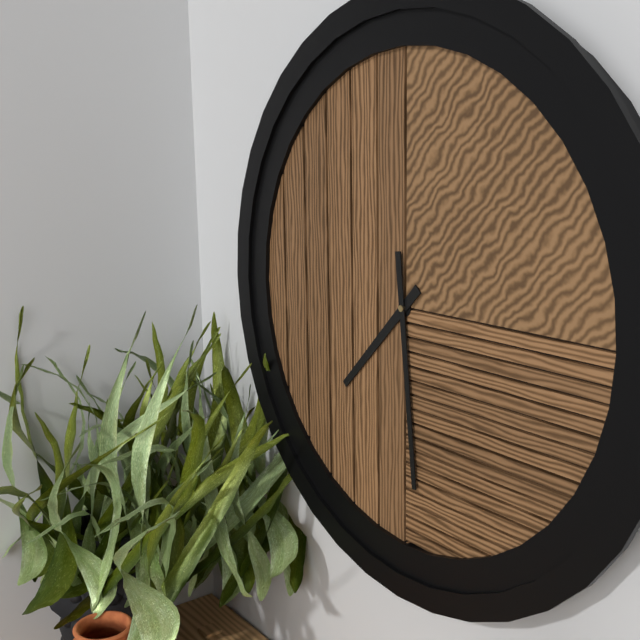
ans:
**7:29**
